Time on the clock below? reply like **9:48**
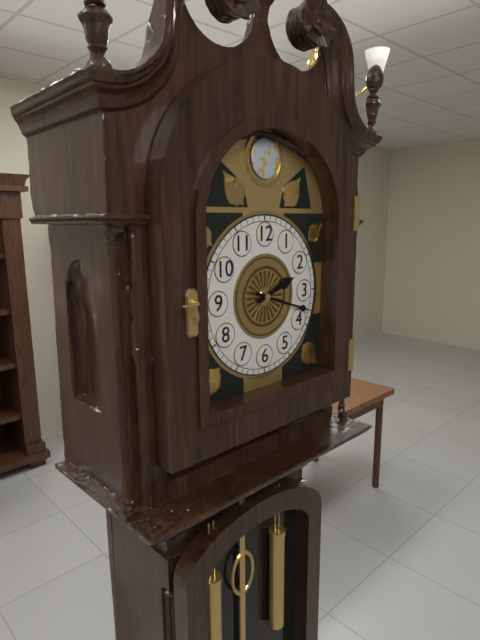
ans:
**2:18**
